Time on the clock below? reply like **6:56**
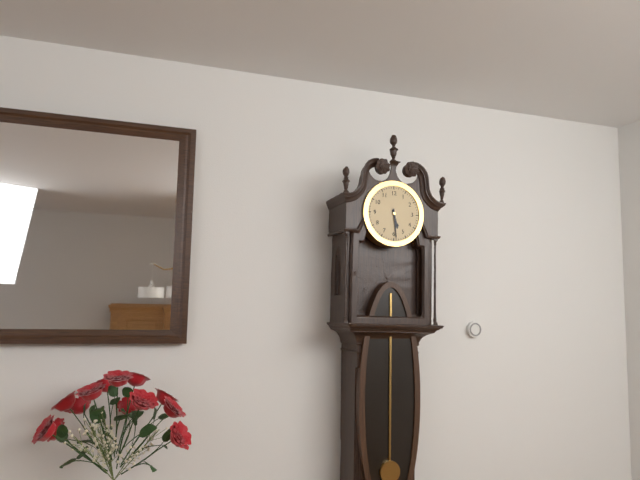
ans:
**5:29**
